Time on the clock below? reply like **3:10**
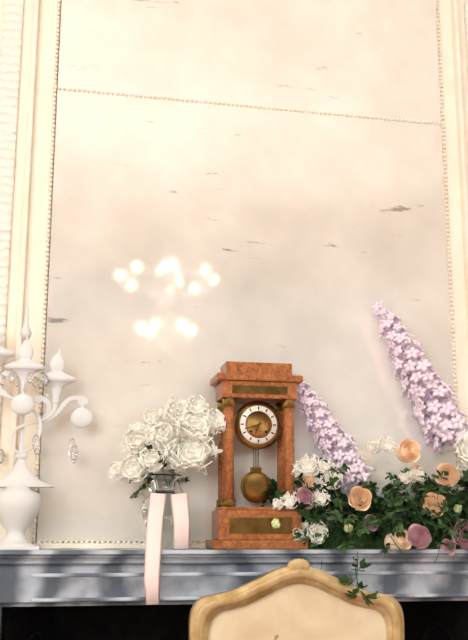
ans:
**6:42**
